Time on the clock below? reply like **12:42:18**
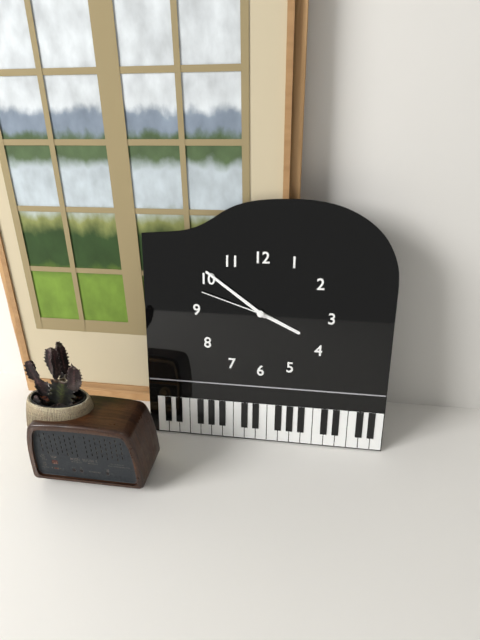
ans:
**3:51:48**
